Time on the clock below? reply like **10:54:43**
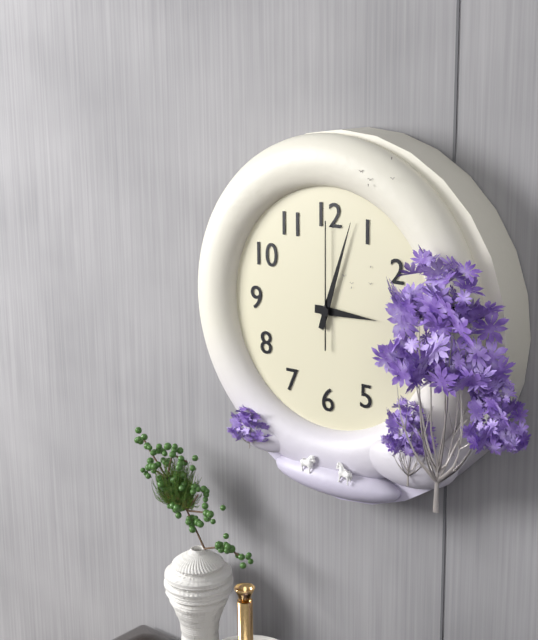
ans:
**3:03:00**
